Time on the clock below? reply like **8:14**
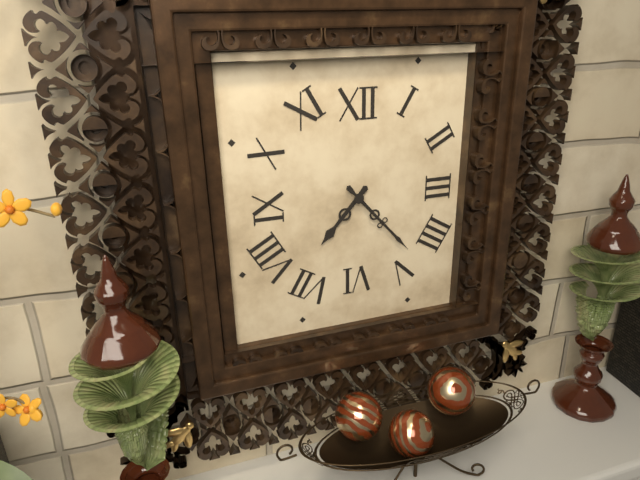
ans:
**7:23**
